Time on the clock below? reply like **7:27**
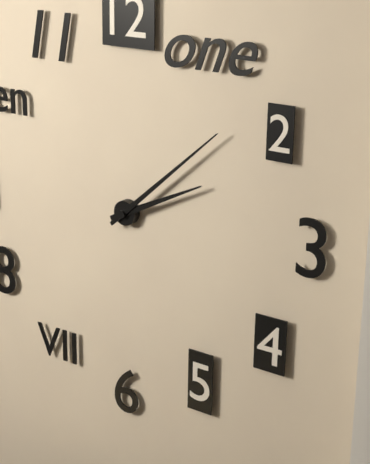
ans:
**2:08**
